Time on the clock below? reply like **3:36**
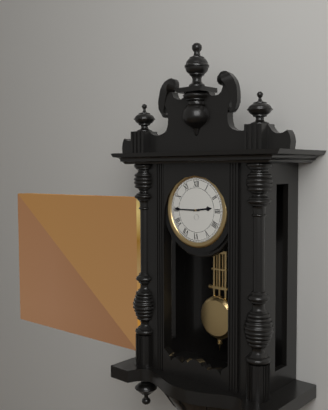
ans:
**2:45**
